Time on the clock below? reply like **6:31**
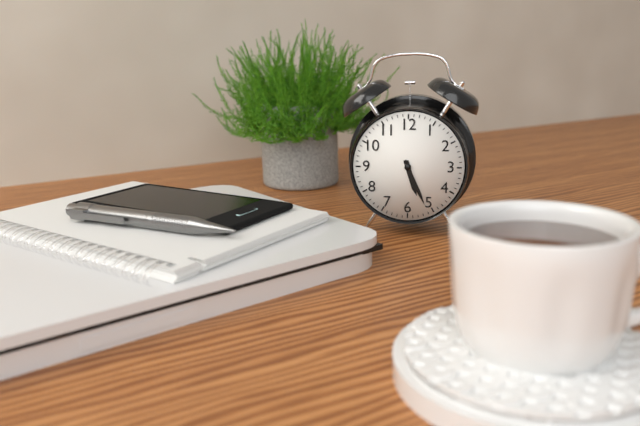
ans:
**5:26**
